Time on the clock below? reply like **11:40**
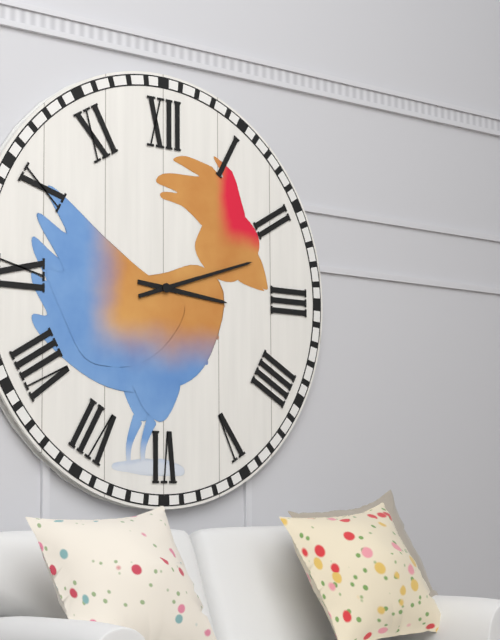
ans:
**3:12**
